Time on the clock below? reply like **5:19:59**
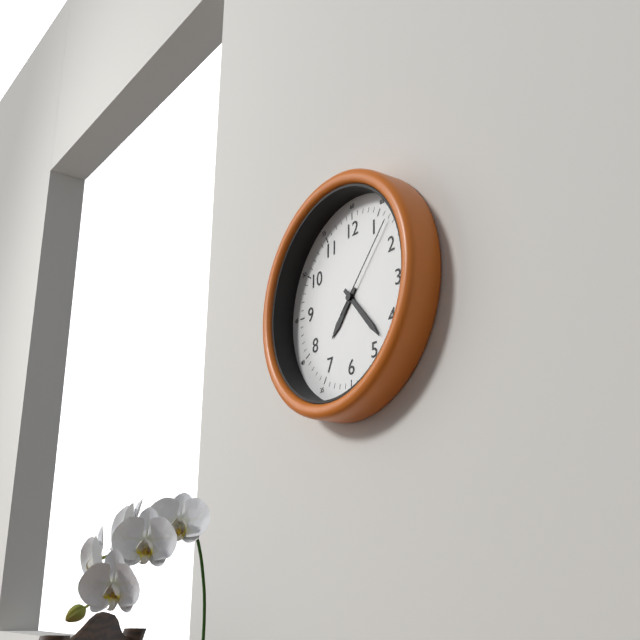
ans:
**7:23:07**
